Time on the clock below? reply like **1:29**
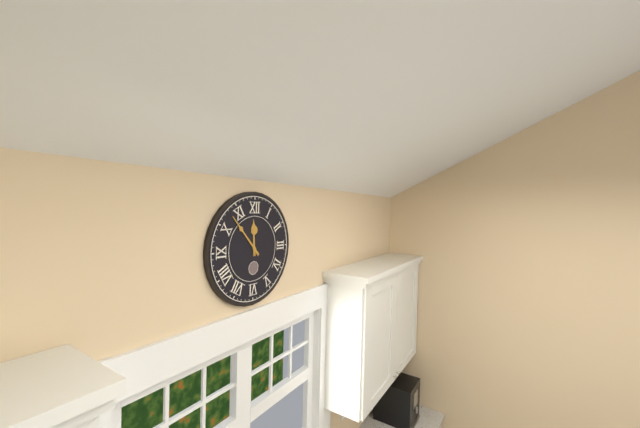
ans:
**11:53**
